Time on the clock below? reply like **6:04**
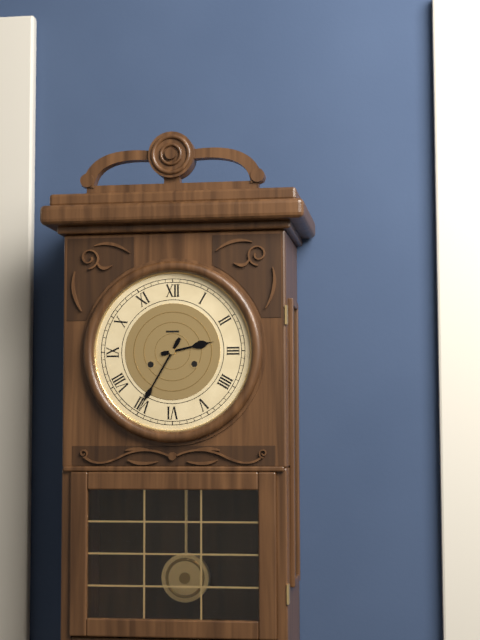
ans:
**2:35**
